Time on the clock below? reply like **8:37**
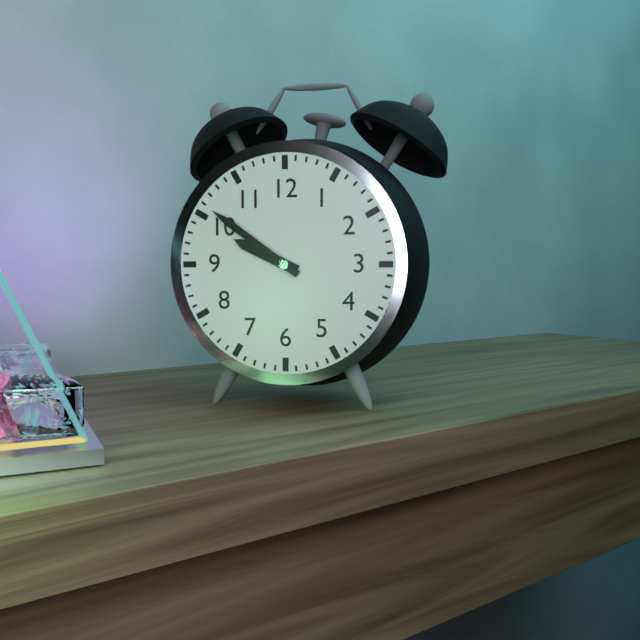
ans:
**9:51**
